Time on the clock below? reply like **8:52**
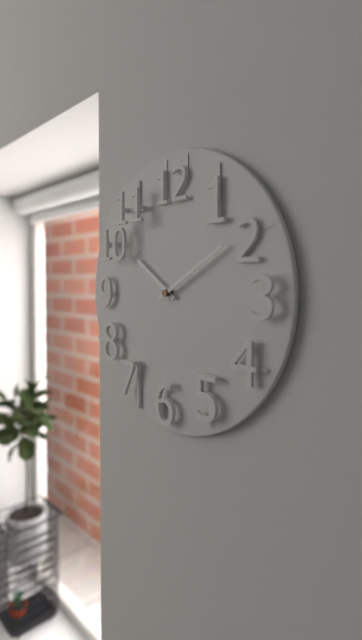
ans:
**10:10**
